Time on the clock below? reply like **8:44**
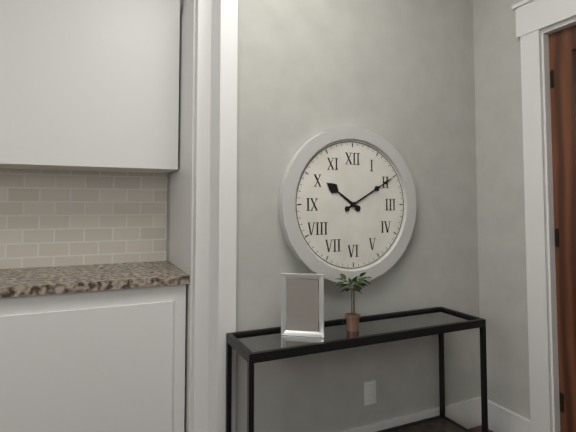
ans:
**10:10**
